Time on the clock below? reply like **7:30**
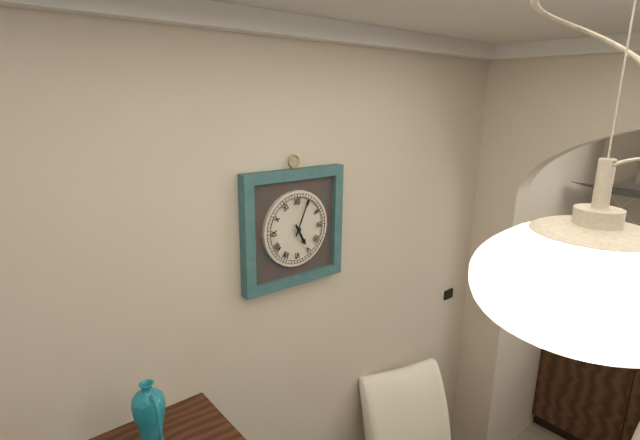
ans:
**5:04**
